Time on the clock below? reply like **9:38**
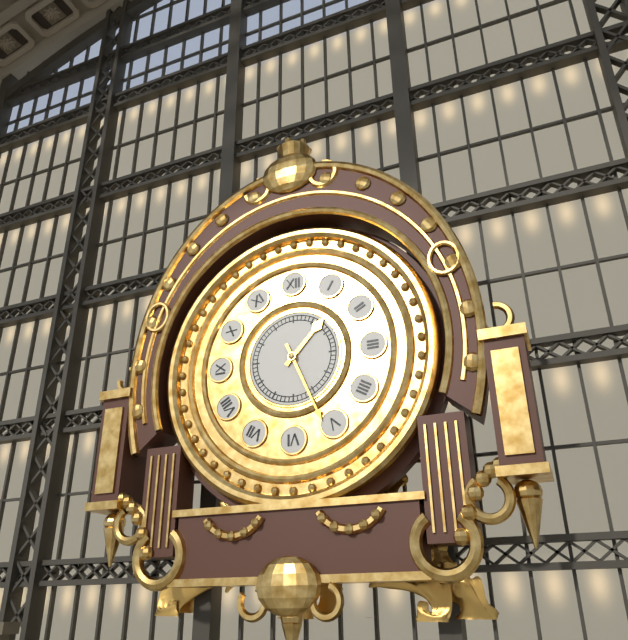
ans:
**1:26**
